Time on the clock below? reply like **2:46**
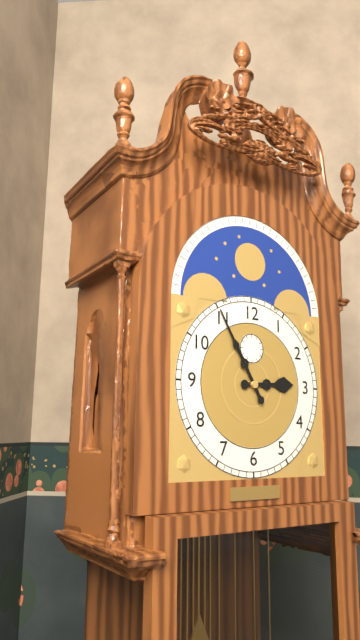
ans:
**2:55**
